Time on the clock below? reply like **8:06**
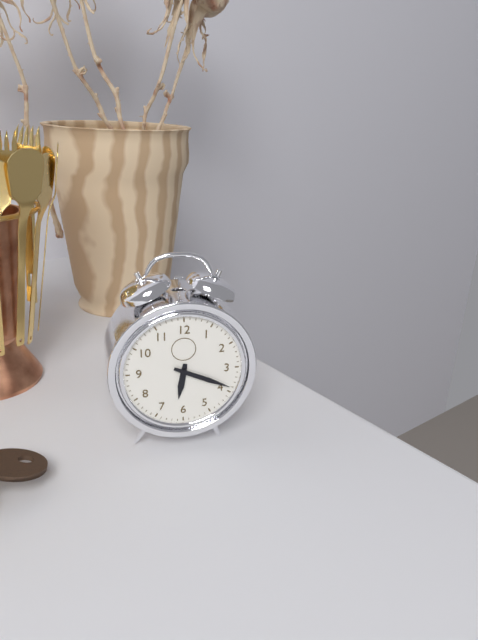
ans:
**6:19**
